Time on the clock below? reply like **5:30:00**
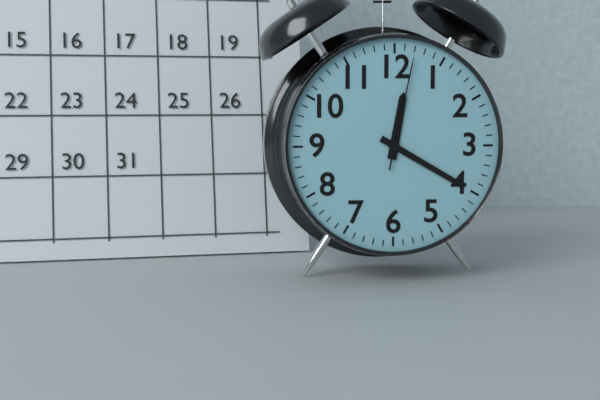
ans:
**12:20:02**
